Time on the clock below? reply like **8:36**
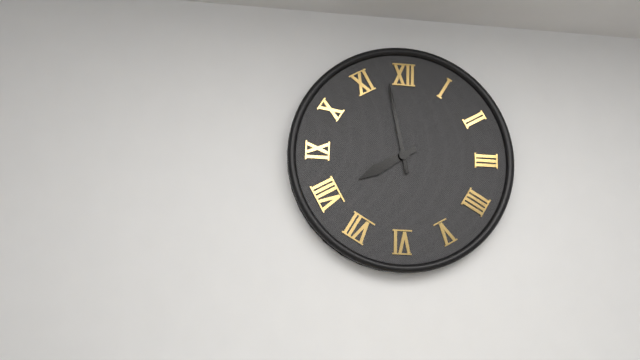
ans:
**7:58**
